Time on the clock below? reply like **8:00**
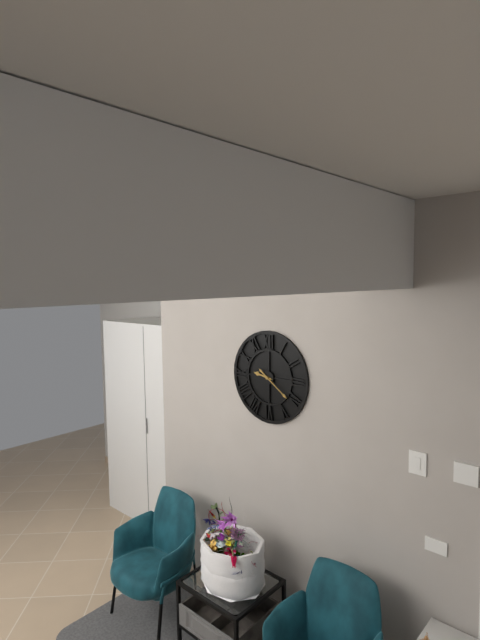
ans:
**9:21**
